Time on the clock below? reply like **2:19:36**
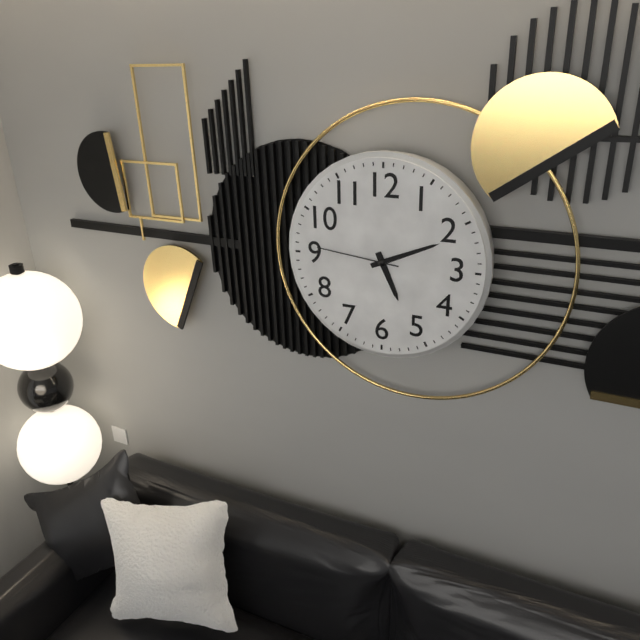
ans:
**5:11:46**
